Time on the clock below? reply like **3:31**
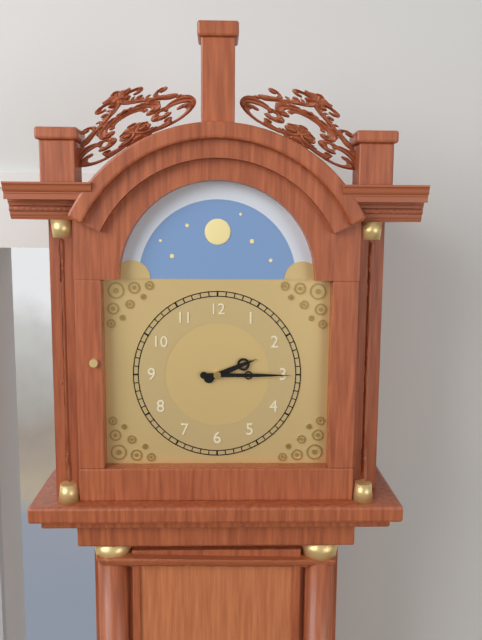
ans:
**2:15**
